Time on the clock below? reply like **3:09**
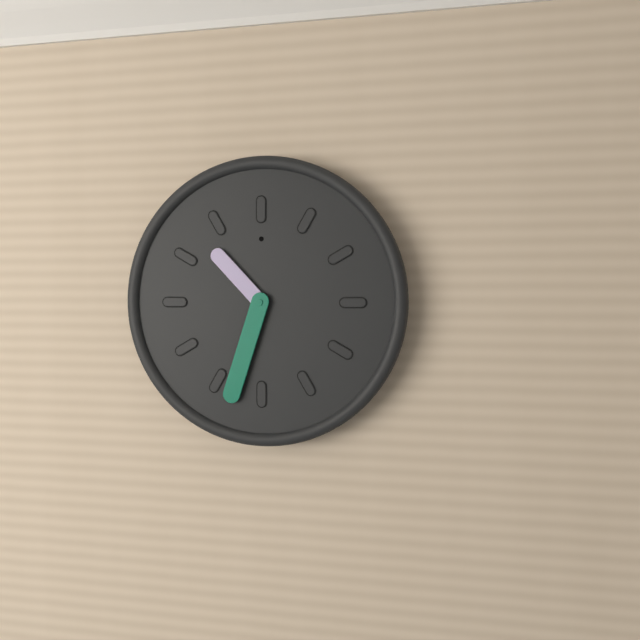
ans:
**10:33**
